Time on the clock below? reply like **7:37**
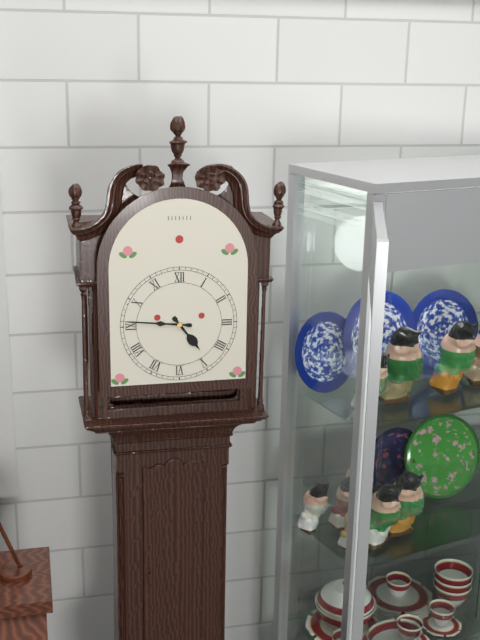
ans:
**4:46**
